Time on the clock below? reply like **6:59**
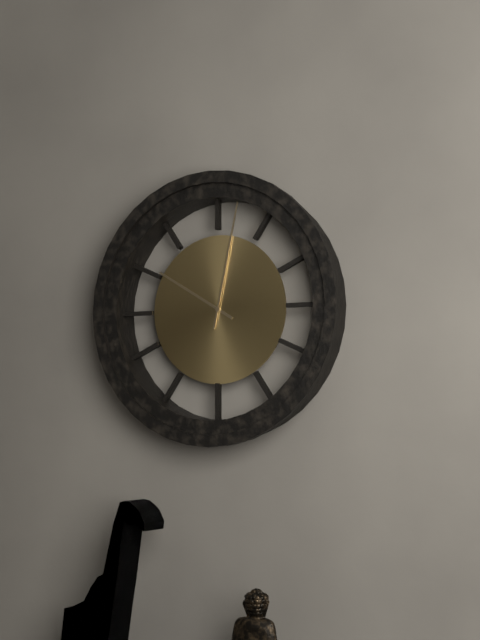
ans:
**10:02**
